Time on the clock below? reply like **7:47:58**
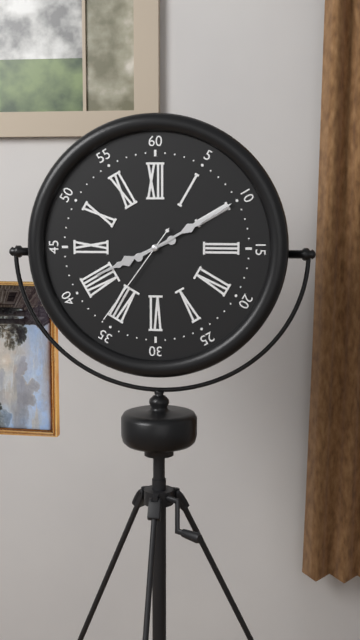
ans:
**8:10:36**
